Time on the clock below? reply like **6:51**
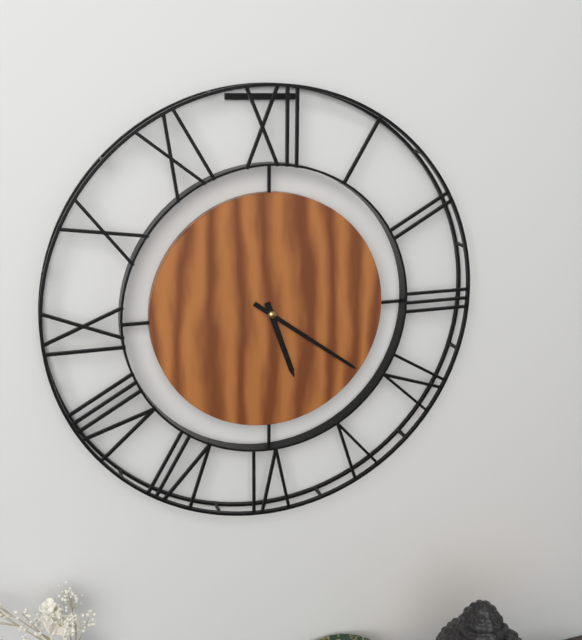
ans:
**5:21**
